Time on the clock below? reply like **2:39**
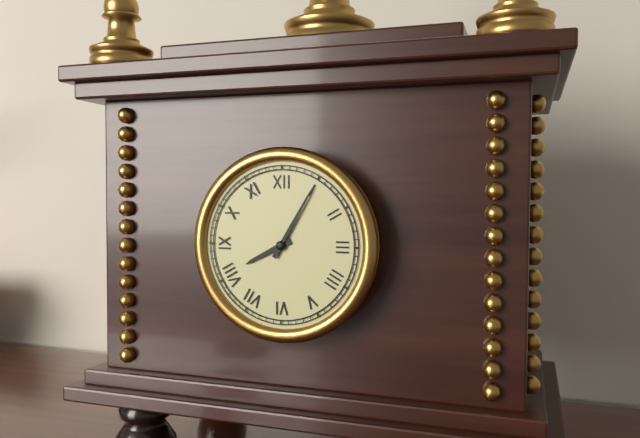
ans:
**8:05**
